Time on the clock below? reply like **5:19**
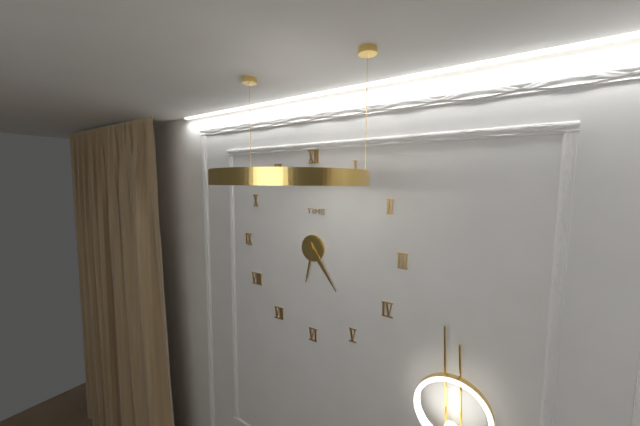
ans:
**6:24**
